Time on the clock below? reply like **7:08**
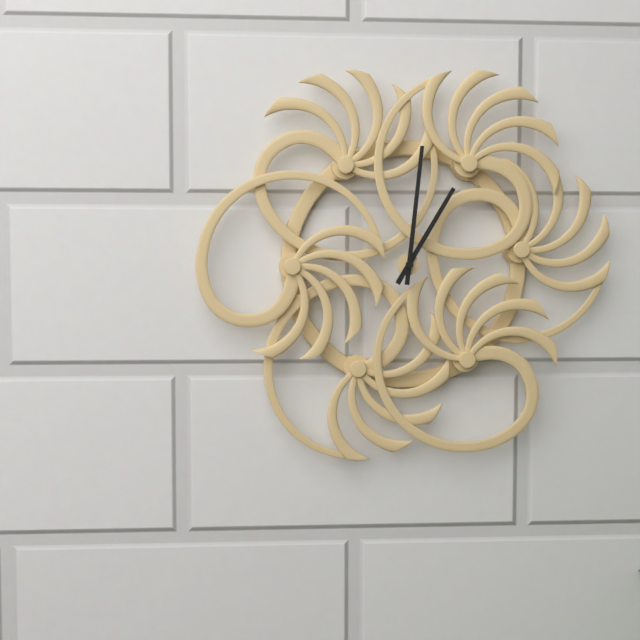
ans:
**1:01**
